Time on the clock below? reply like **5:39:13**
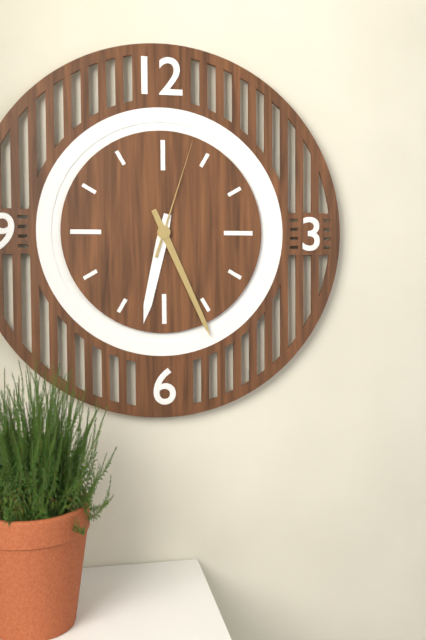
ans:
**6:26:03**
